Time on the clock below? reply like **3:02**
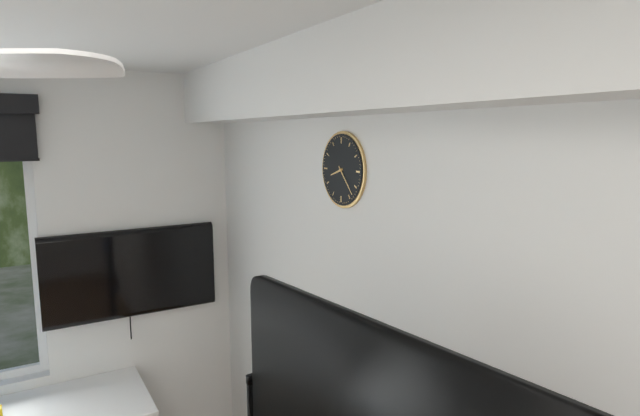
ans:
**8:23**
